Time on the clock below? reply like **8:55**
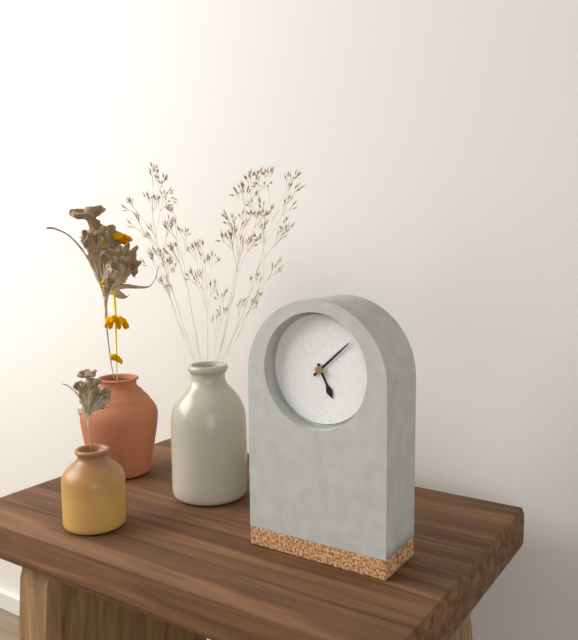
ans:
**5:08**
